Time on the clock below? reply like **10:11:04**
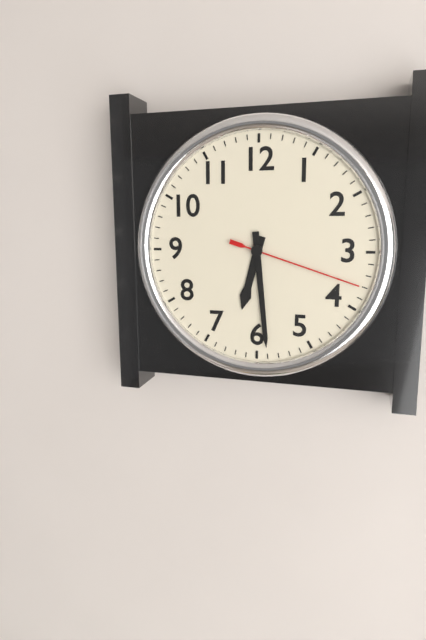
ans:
**6:29:18**
